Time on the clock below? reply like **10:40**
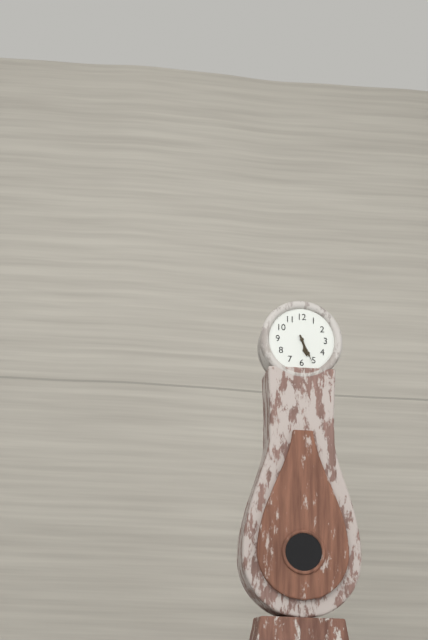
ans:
**5:26**
